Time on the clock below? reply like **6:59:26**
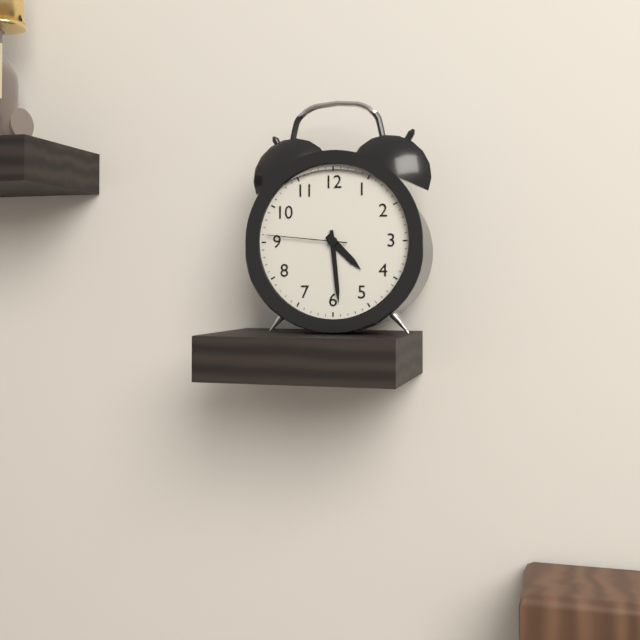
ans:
**4:29:46**
